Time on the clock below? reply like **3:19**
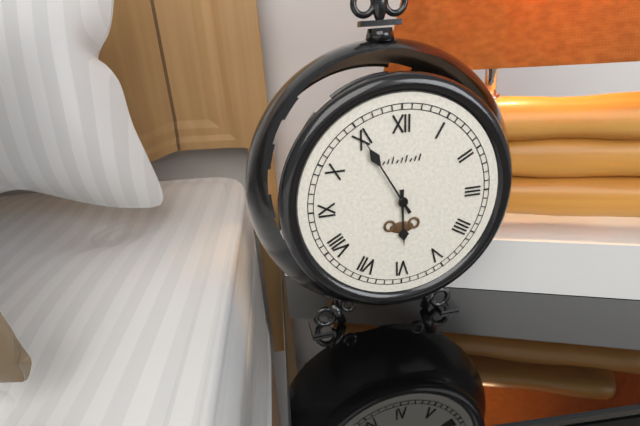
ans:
**5:55**
